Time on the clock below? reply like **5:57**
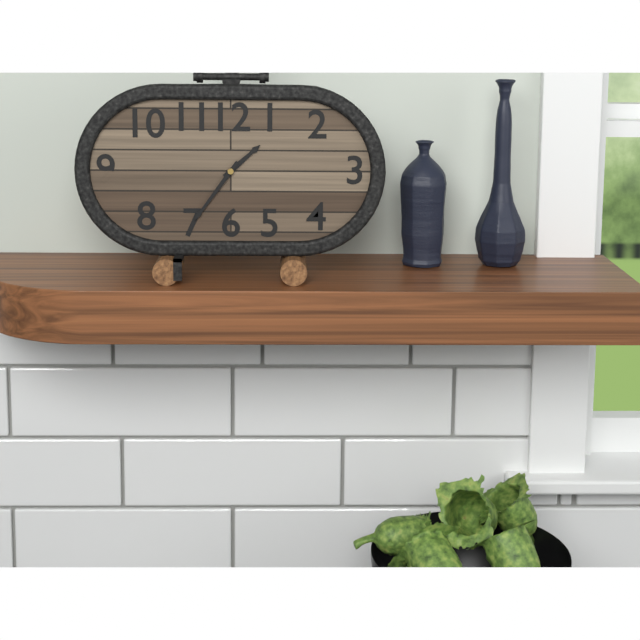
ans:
**1:36**
